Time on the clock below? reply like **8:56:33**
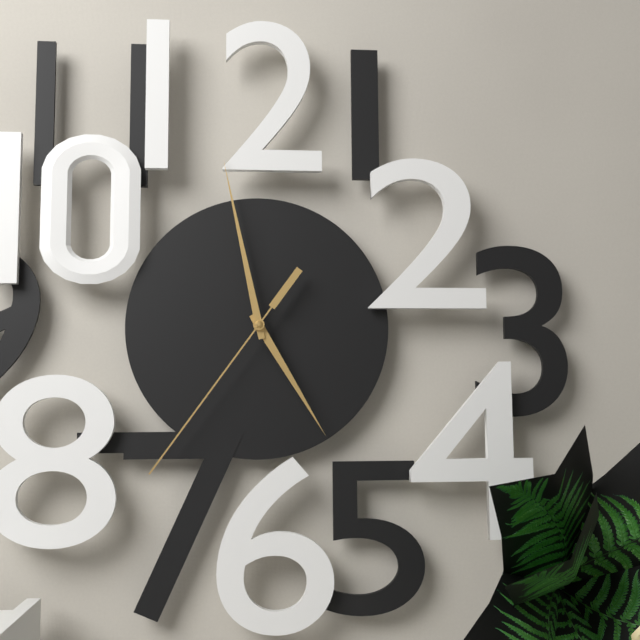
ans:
**4:58:36**
